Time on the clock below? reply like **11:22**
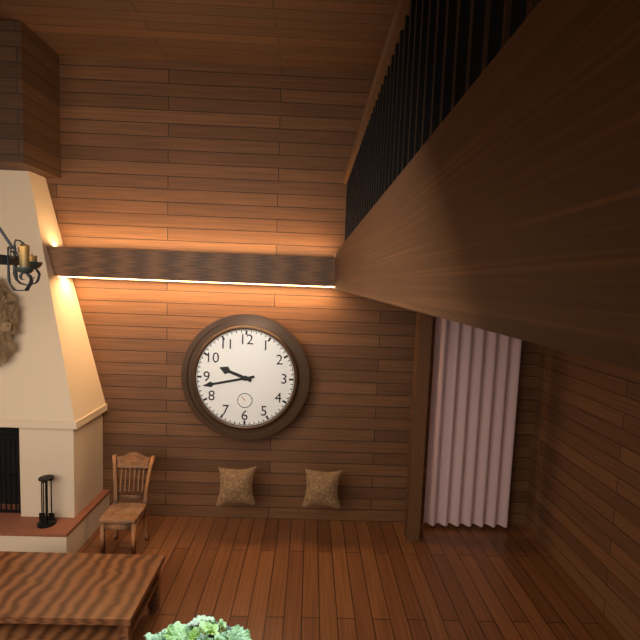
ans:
**9:43**
